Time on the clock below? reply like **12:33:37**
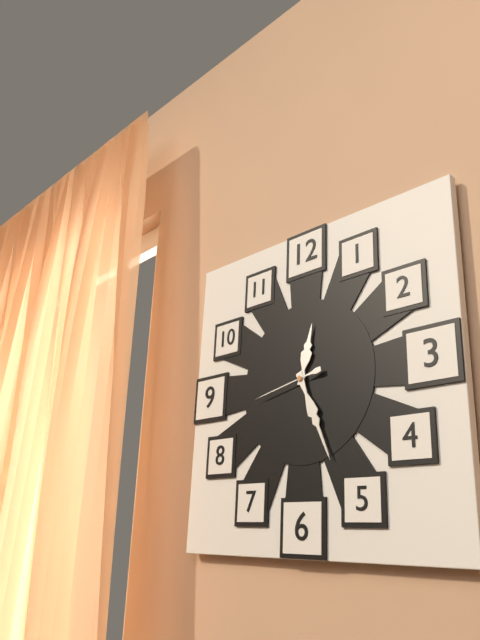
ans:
**12:26:43**
